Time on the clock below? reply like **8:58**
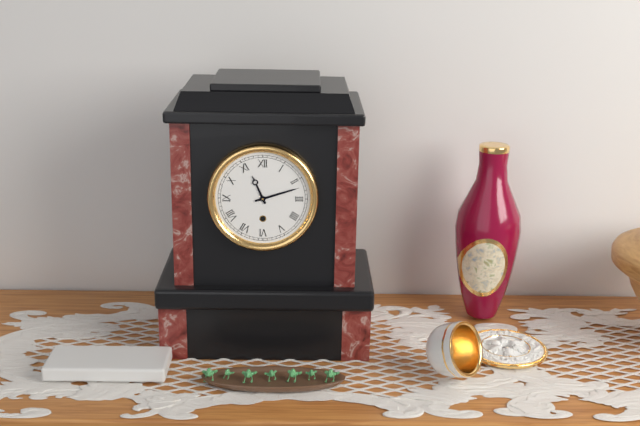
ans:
**11:12**
